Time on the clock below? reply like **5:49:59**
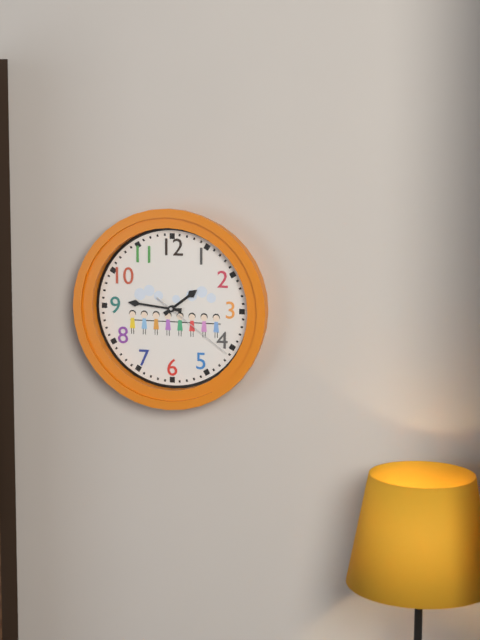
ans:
**1:46:21**
